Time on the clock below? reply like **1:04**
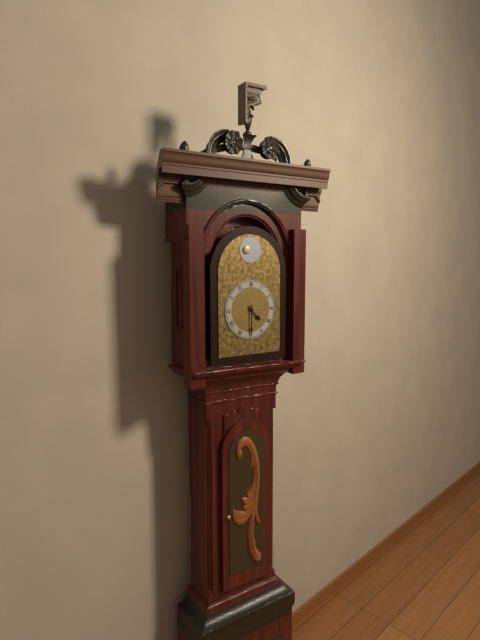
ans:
**4:30**
